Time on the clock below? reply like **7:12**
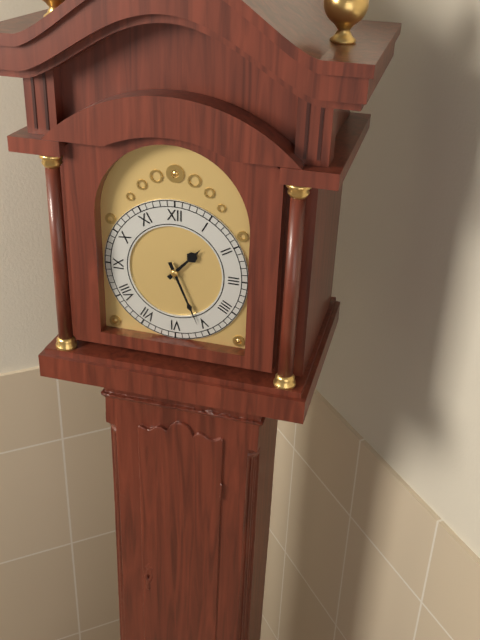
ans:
**1:26**
